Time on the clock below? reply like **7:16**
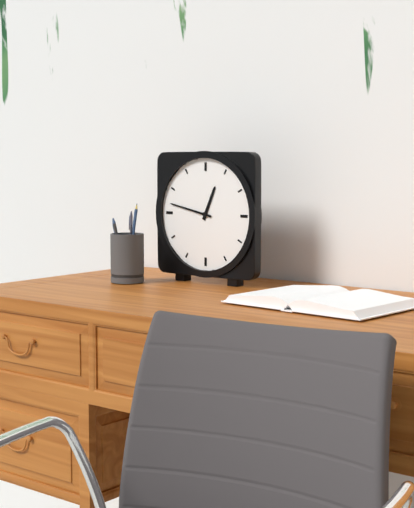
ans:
**12:47**
